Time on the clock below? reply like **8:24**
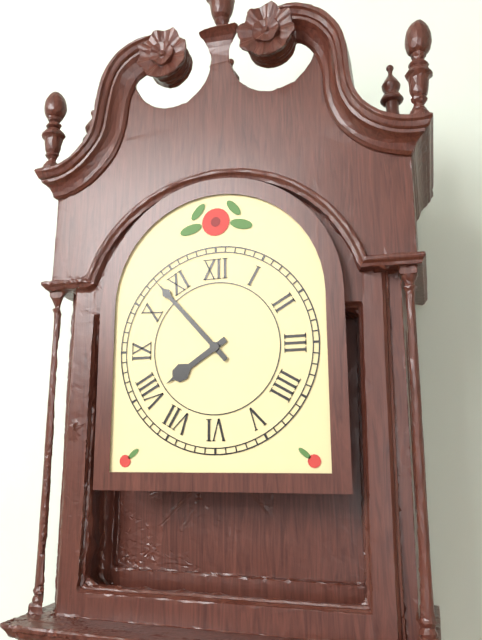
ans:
**7:53**
